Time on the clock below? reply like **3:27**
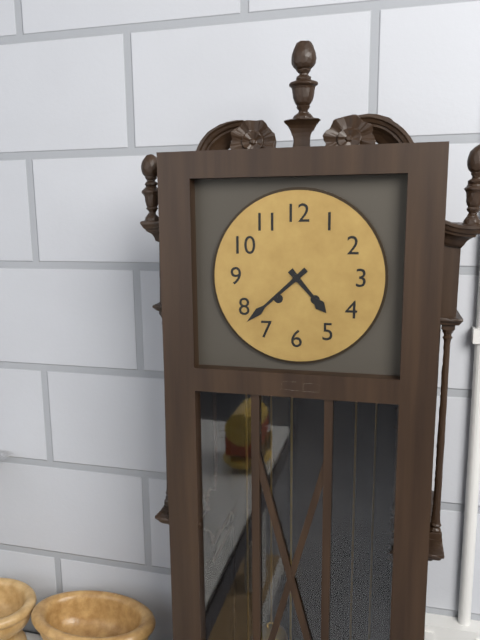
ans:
**4:38**
